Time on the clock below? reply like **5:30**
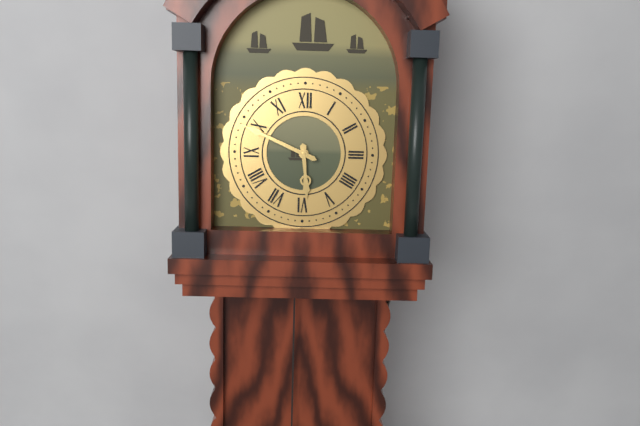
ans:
**5:49**
